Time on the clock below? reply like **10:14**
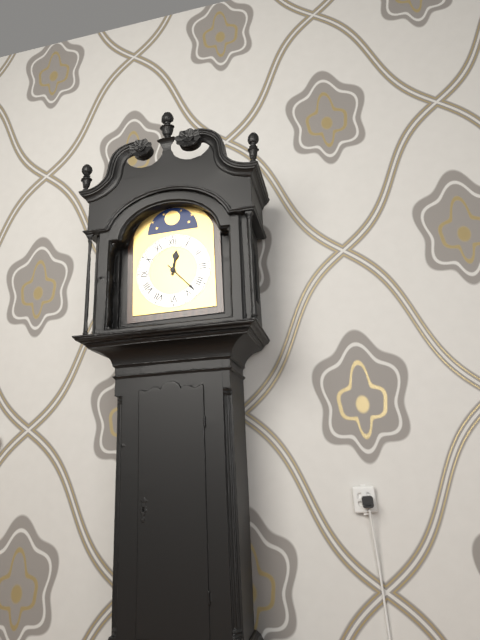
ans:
**12:23**
